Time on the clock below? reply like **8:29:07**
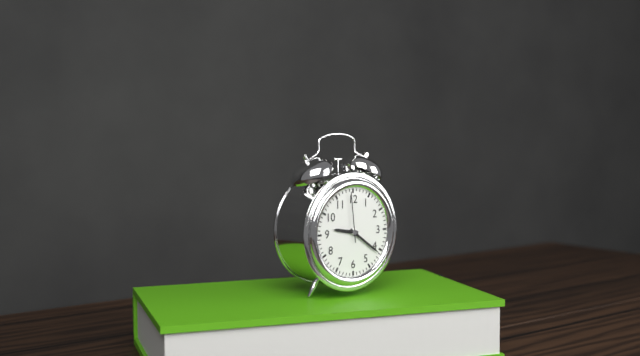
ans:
**9:21:59**
